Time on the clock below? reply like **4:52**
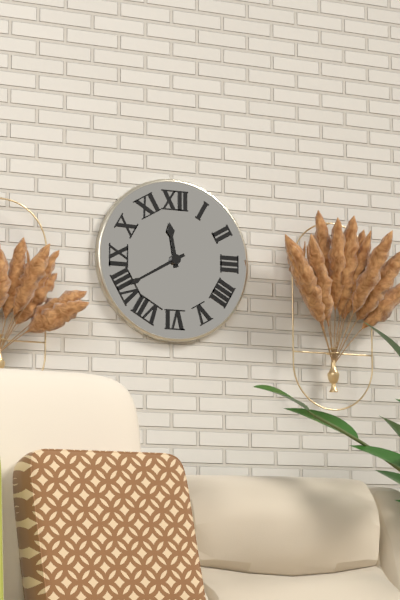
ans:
**11:40**
